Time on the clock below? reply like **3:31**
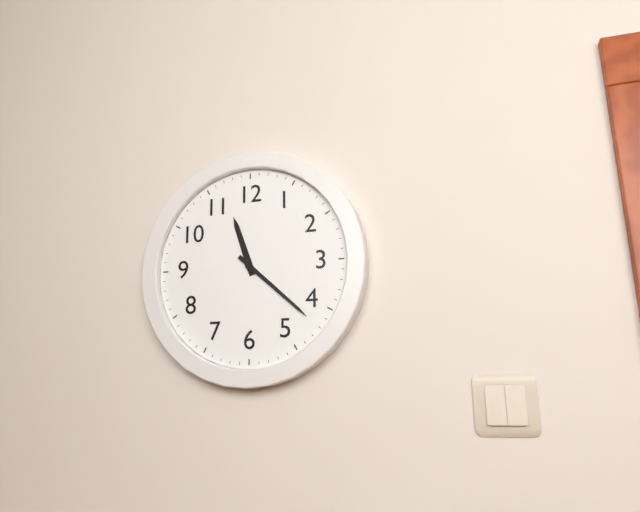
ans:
**11:22**
